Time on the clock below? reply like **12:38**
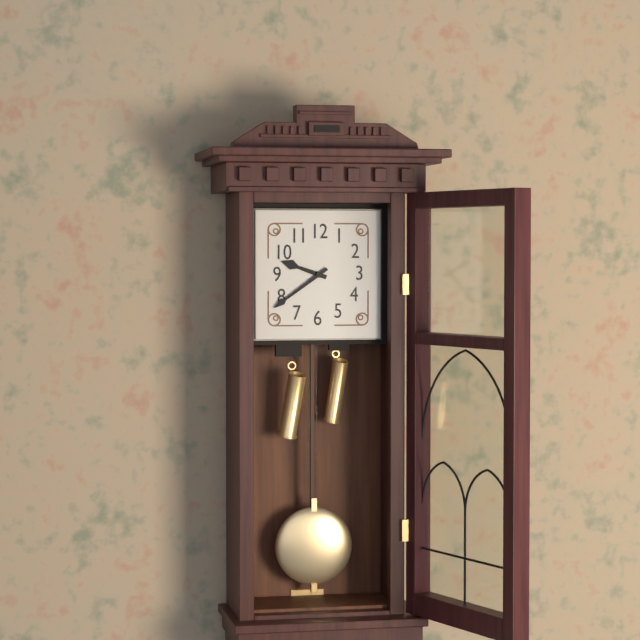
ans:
**9:39**
